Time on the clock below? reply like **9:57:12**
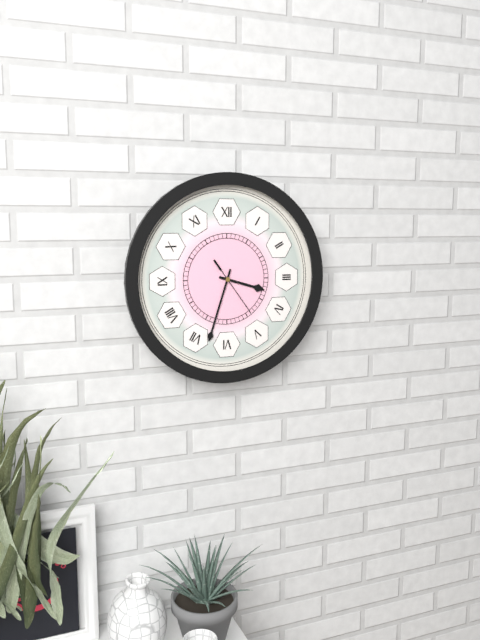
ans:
**3:33:24**
